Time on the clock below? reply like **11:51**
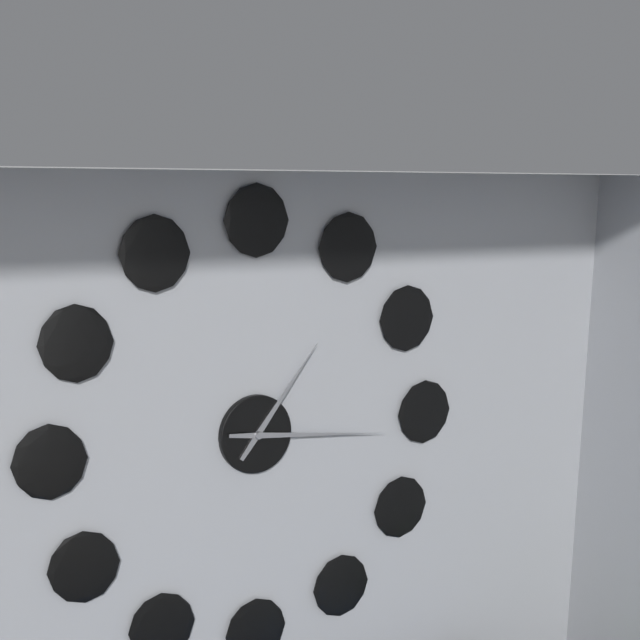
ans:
**1:16**
